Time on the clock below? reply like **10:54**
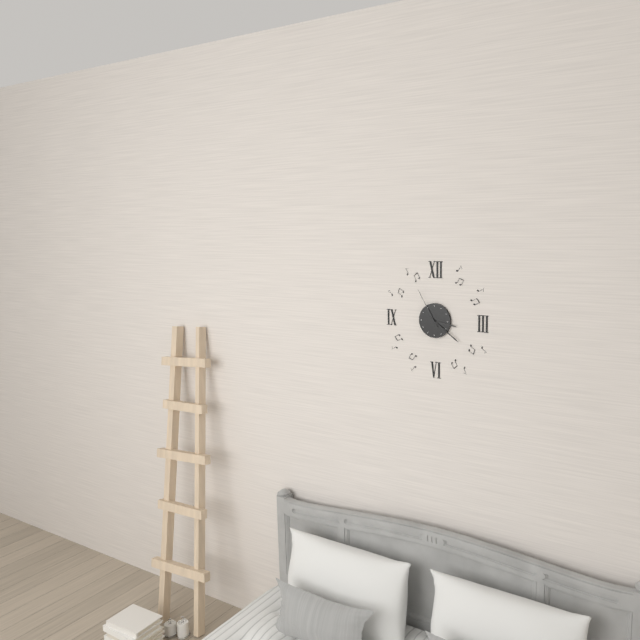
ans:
**3:21**
